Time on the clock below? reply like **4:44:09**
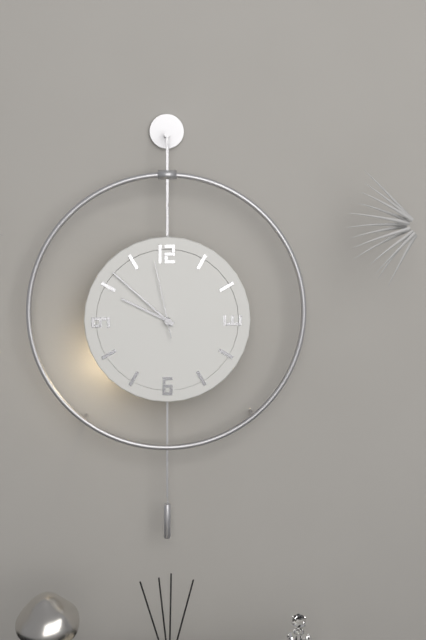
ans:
**9:52:58**
